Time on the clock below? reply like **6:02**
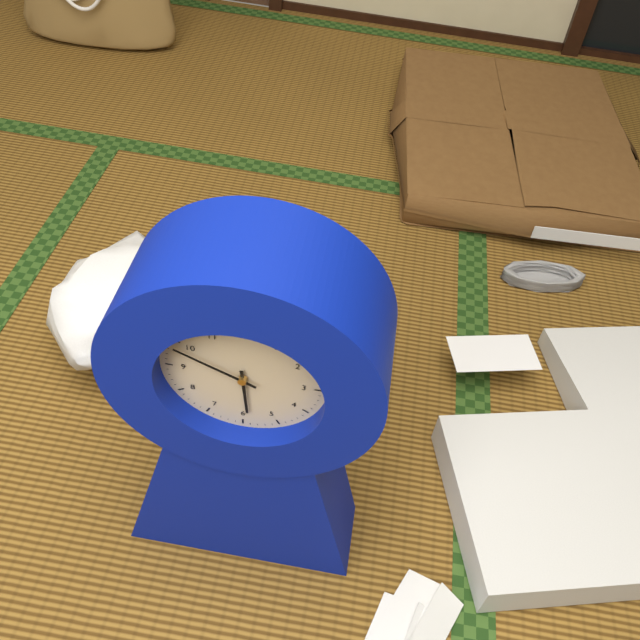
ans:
**5:49**
